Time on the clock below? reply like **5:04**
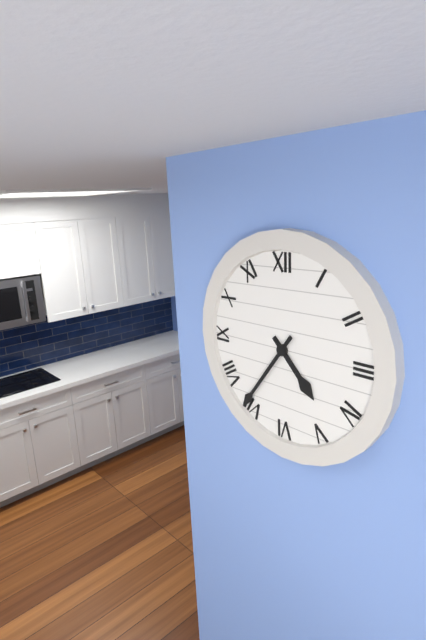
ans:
**4:36**
